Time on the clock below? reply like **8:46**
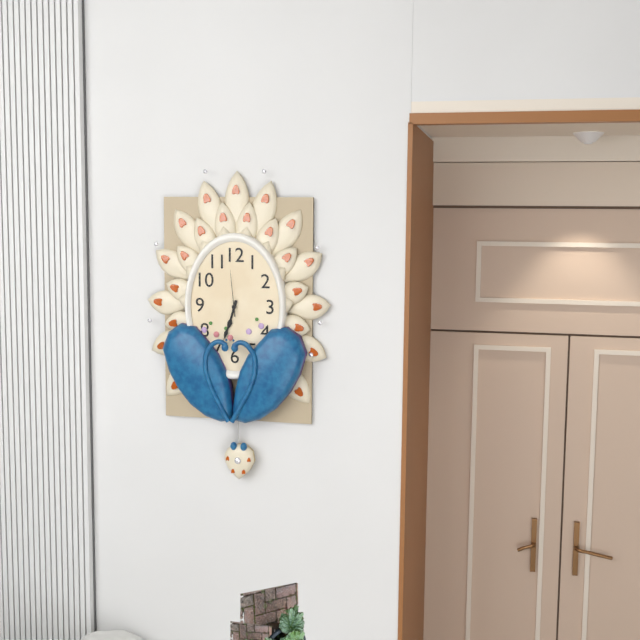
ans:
**6:33**
